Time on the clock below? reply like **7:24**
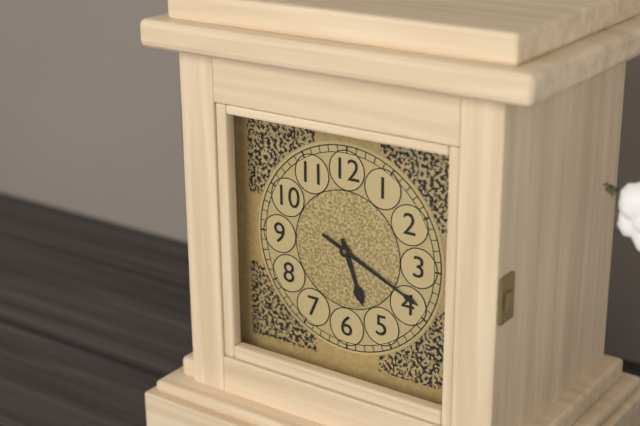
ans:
**5:19**
